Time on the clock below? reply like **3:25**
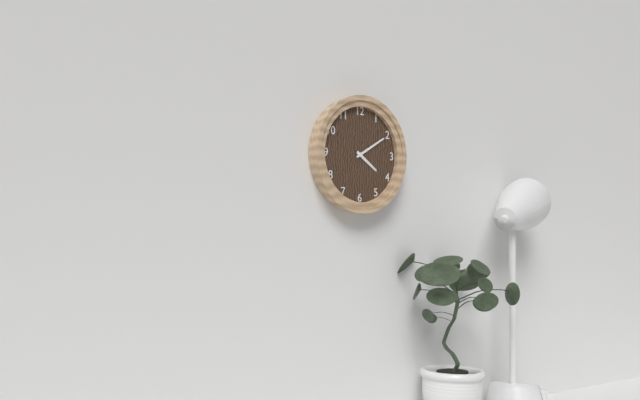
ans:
**4:10**
